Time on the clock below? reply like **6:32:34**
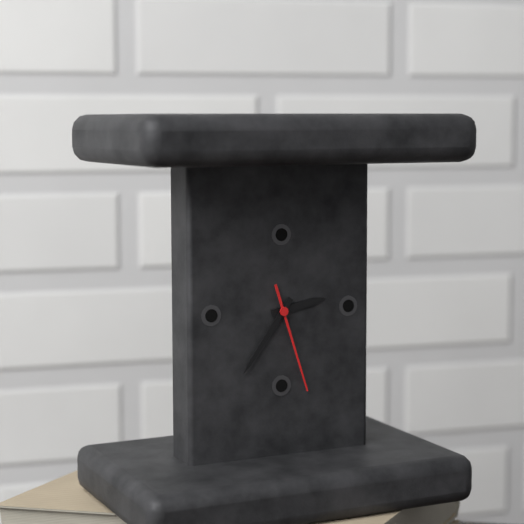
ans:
**2:36:27**
